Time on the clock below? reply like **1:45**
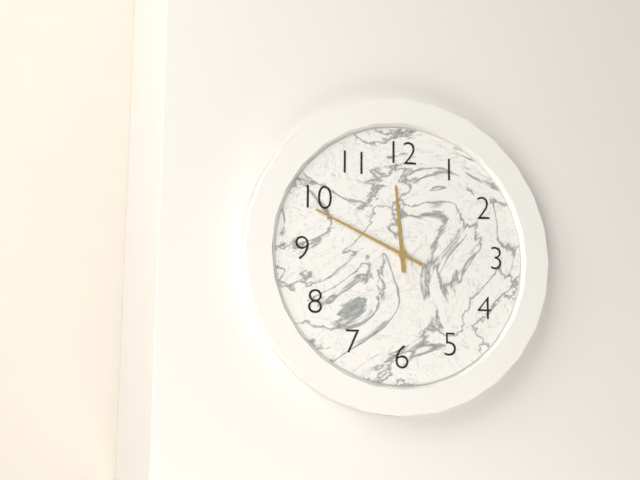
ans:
**11:49**
